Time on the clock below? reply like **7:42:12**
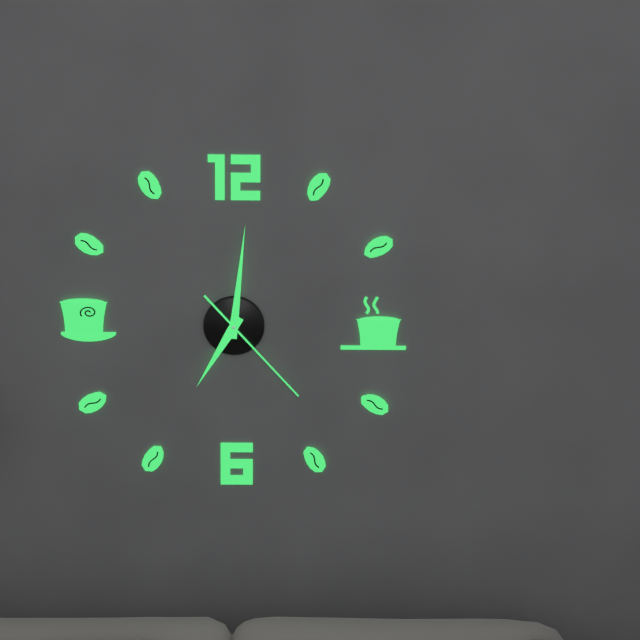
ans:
**7:01:23**
